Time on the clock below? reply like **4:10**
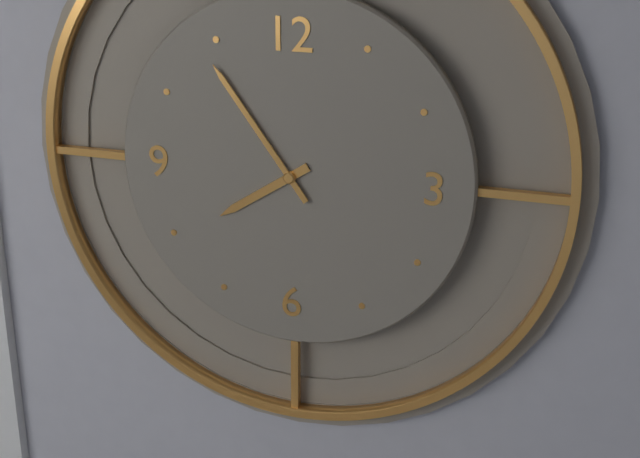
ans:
**7:54**
